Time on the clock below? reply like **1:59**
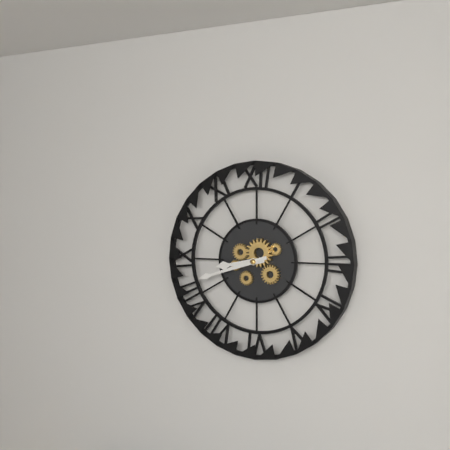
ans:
**8:42**
